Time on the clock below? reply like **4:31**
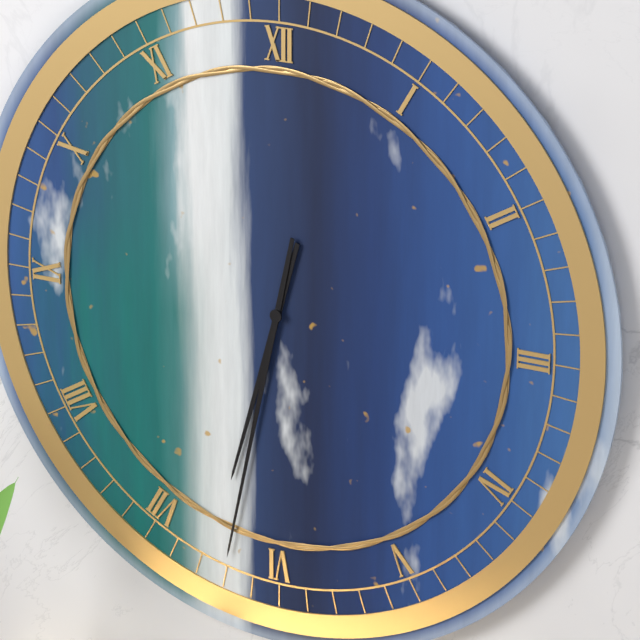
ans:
**6:32**
